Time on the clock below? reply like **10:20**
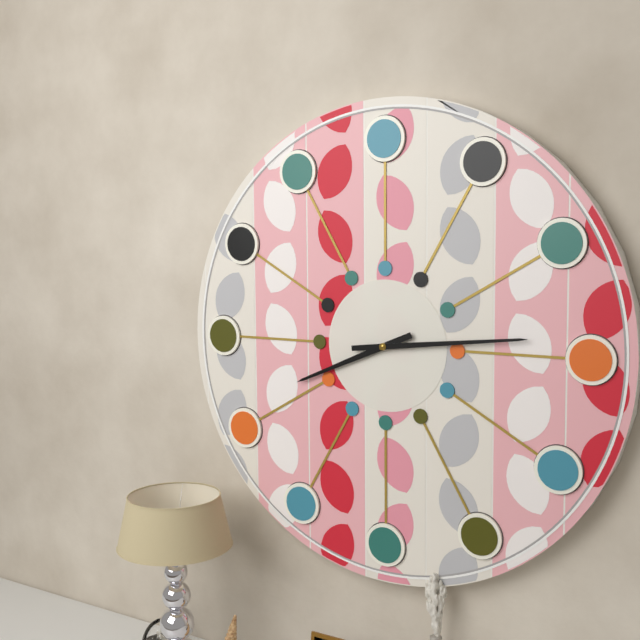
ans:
**8:14**
